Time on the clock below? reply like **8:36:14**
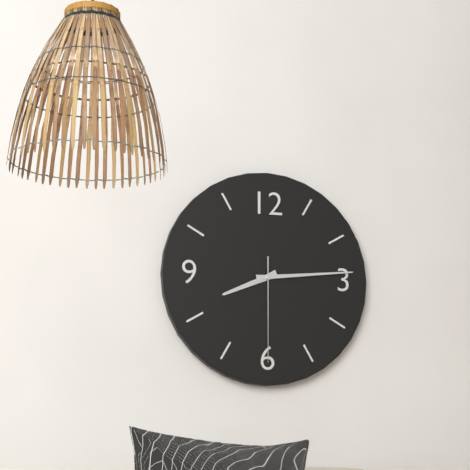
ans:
**8:14:30**
